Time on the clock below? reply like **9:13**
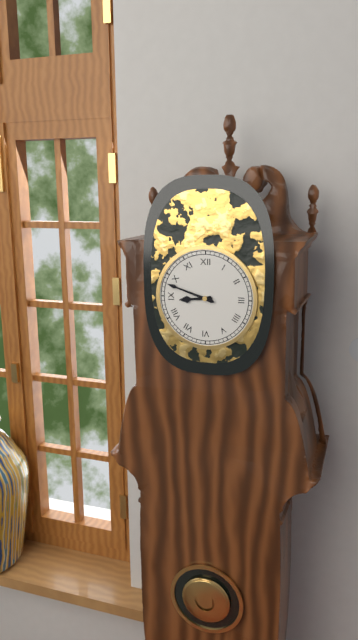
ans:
**8:48**
